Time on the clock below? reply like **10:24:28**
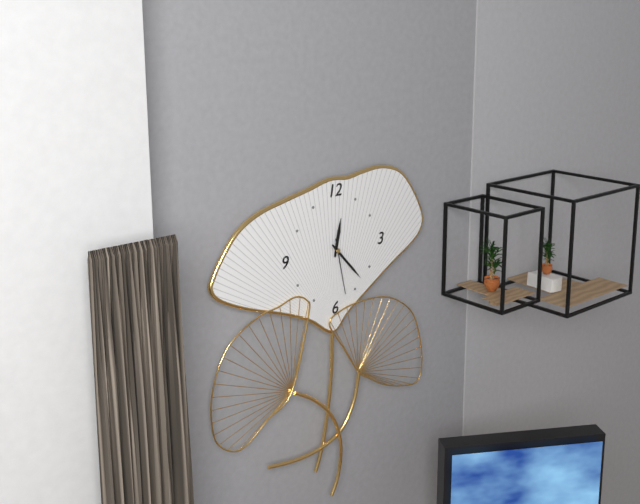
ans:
**12:23:28**
